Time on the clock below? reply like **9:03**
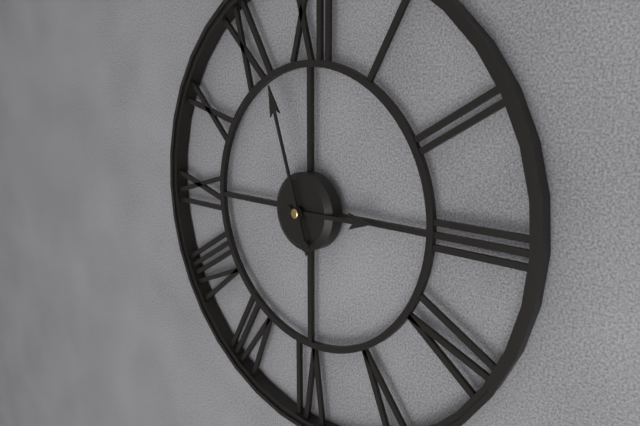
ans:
**2:57**
